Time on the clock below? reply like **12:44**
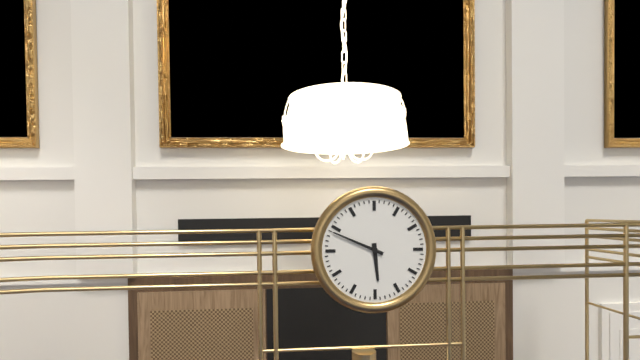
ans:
**5:49**
